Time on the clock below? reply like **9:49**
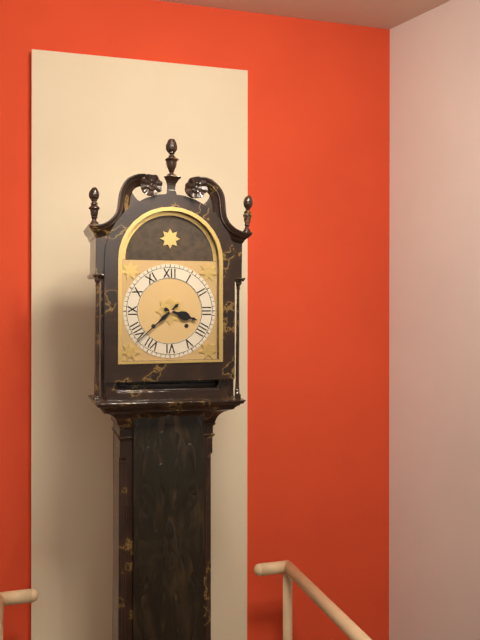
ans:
**3:38**
